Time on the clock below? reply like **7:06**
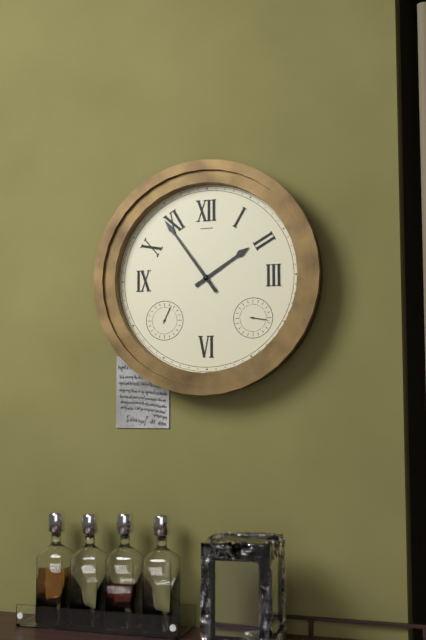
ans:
**1:54**
